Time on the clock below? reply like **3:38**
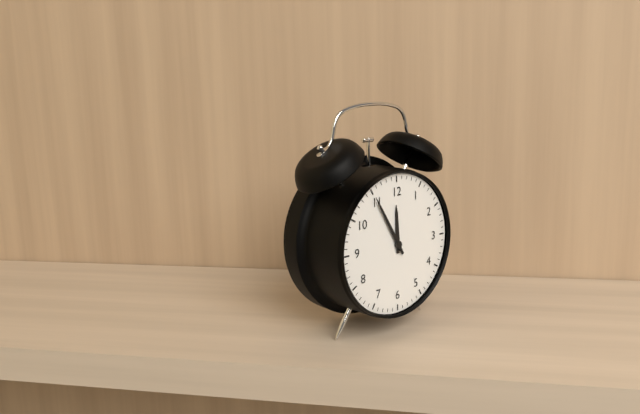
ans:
**11:55**
